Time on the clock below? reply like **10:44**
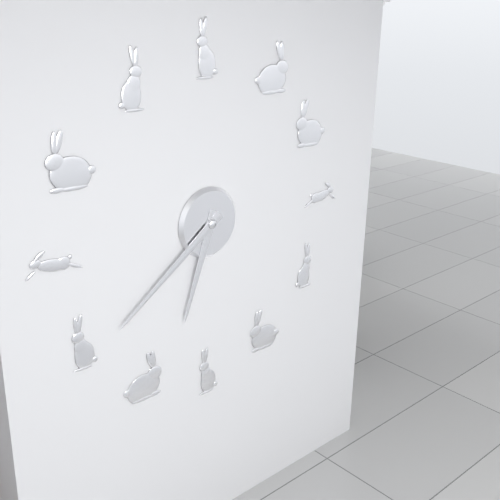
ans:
**6:39**
